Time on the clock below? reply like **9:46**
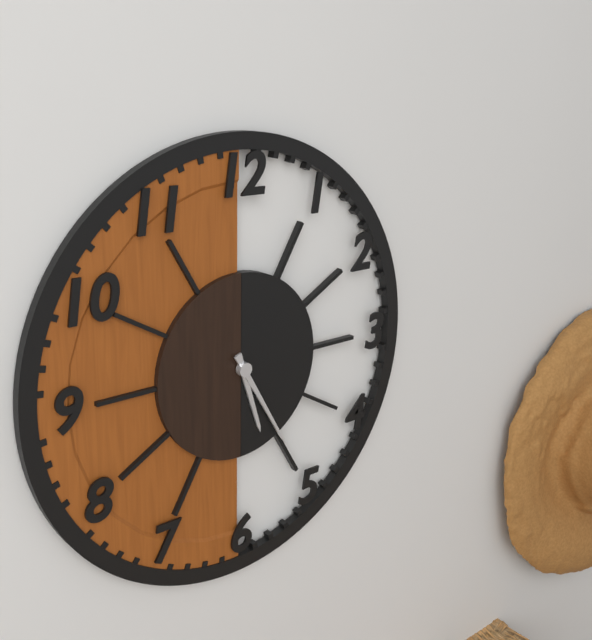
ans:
**5:25**
